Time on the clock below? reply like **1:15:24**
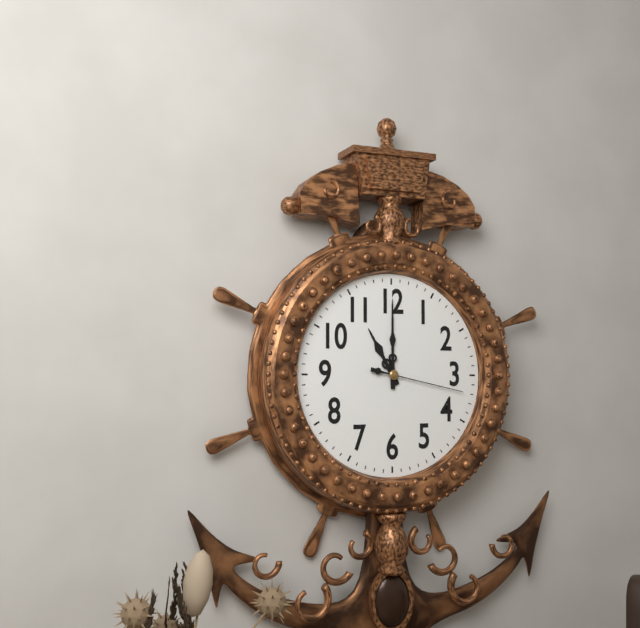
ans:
**11:00:17**
